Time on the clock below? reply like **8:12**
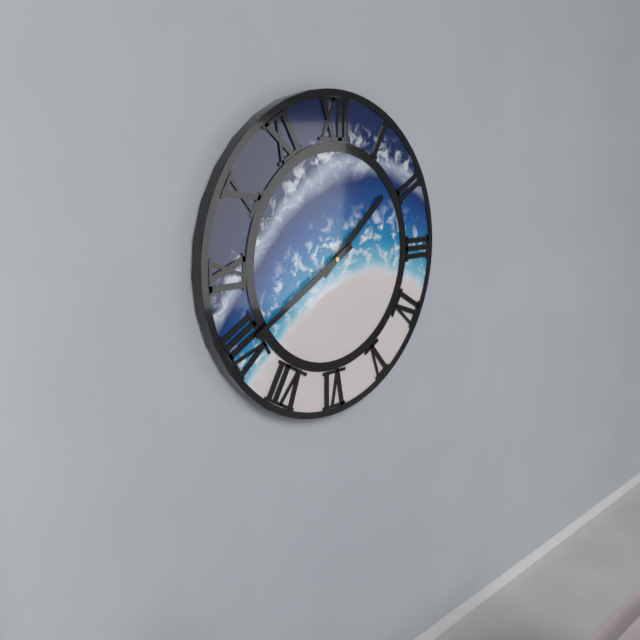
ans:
**1:40**
